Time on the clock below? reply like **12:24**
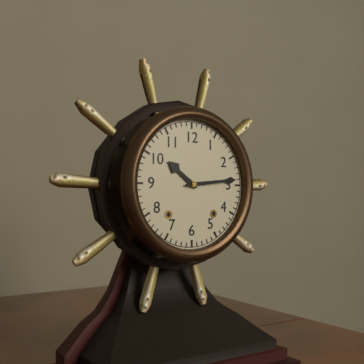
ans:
**10:14**
